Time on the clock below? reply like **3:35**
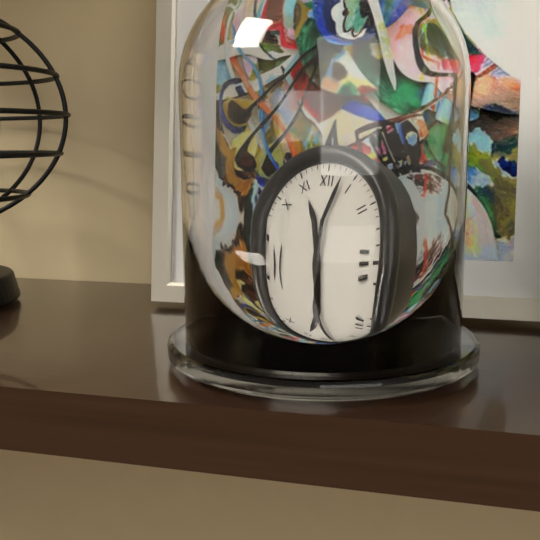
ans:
**11:03**
